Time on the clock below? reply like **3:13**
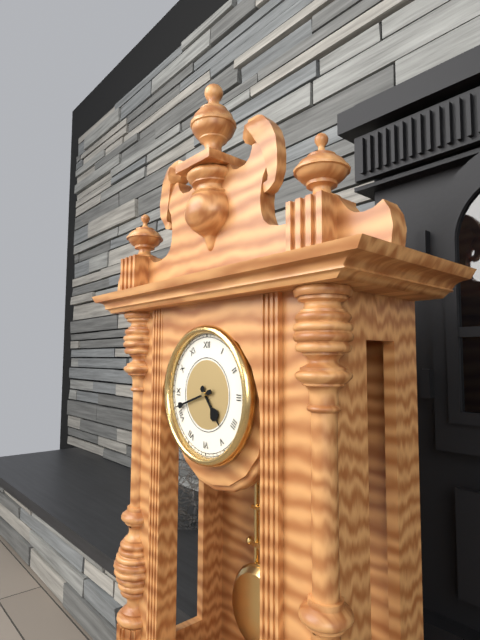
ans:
**4:42**
